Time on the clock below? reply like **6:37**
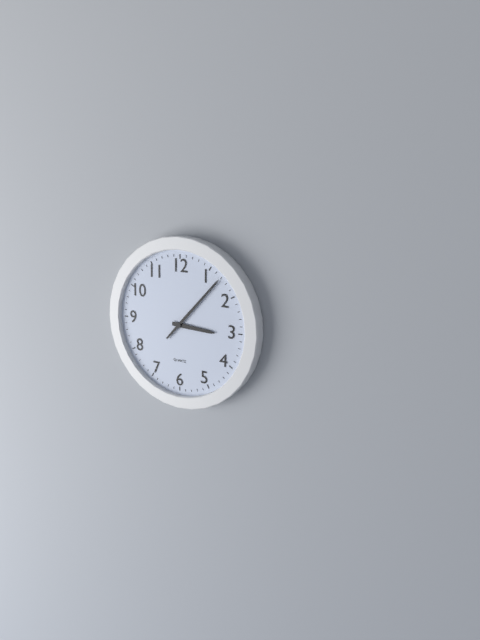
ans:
**3:07**
